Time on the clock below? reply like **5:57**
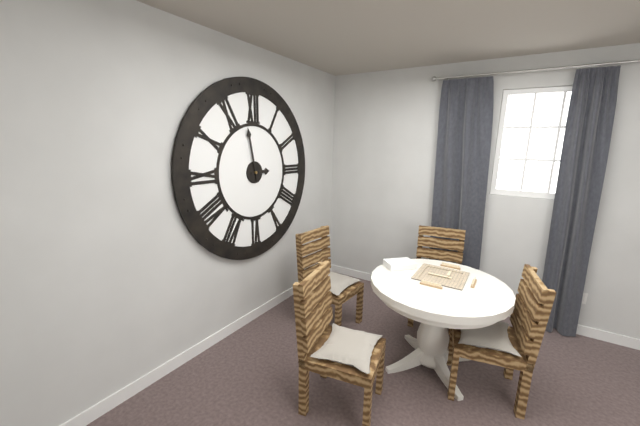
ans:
**2:58**
